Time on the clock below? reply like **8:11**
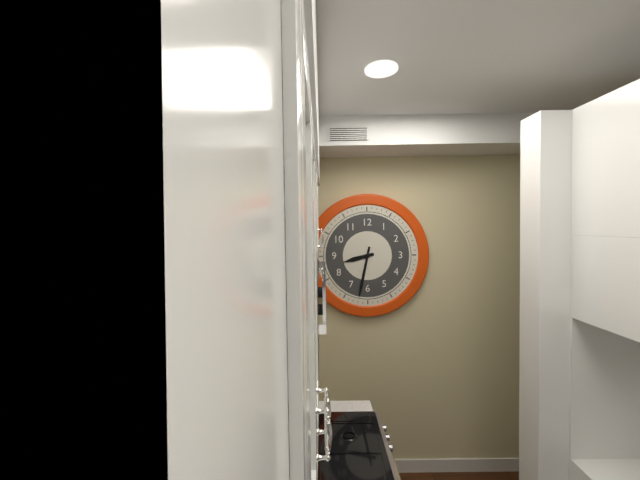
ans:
**8:32**
